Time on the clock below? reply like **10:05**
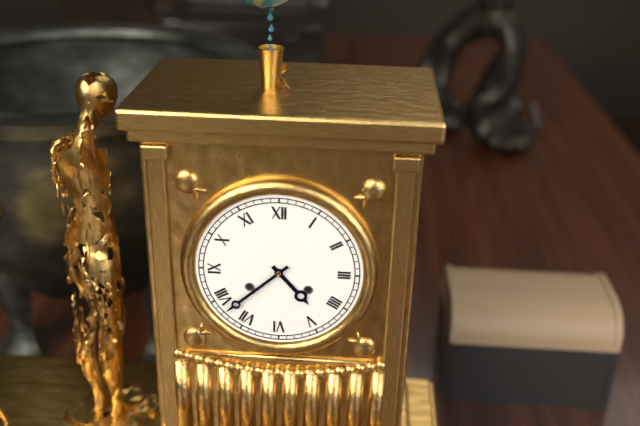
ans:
**4:38**
